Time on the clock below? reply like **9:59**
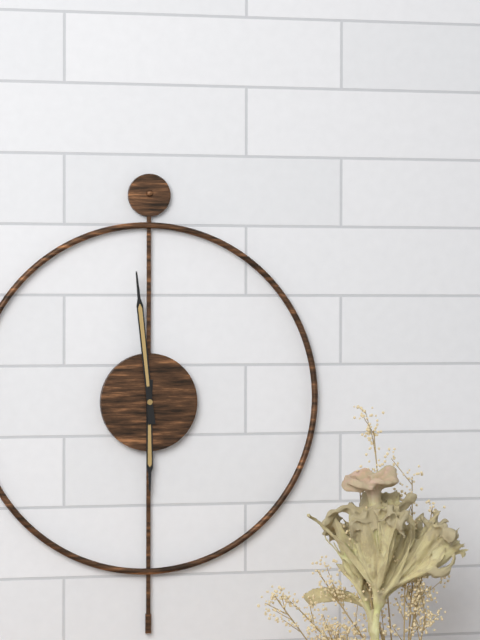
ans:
**5:59**
